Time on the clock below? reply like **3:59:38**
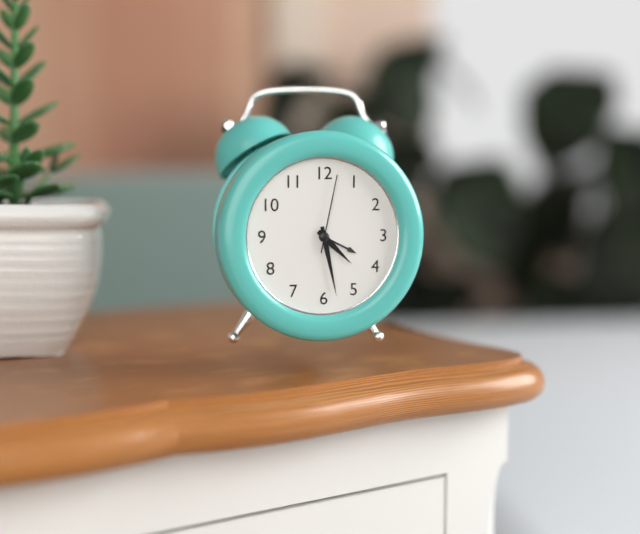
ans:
**4:28:02**
